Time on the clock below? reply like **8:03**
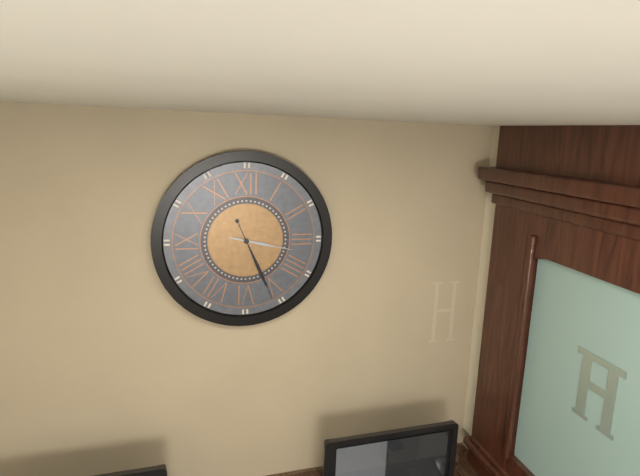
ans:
**3:26**
